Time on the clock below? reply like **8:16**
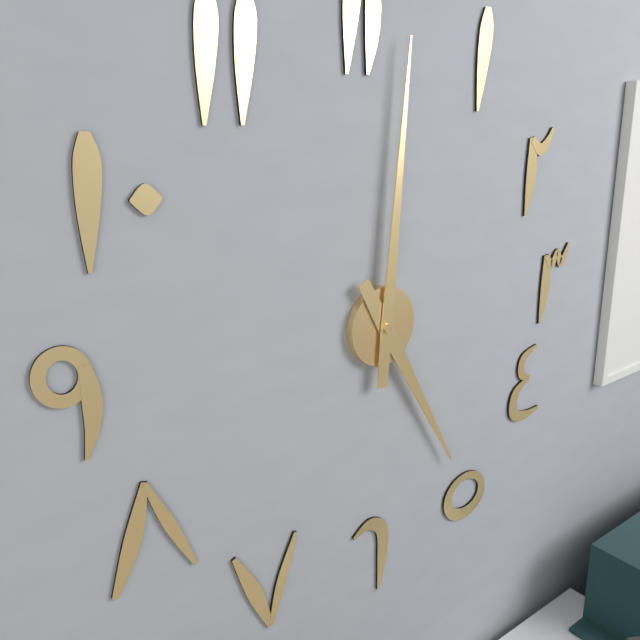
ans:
**5:01**
